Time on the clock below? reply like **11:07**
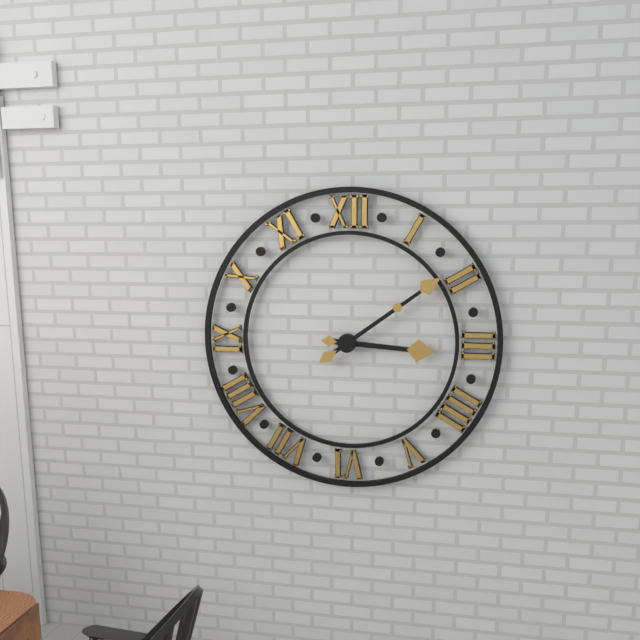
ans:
**3:09**
